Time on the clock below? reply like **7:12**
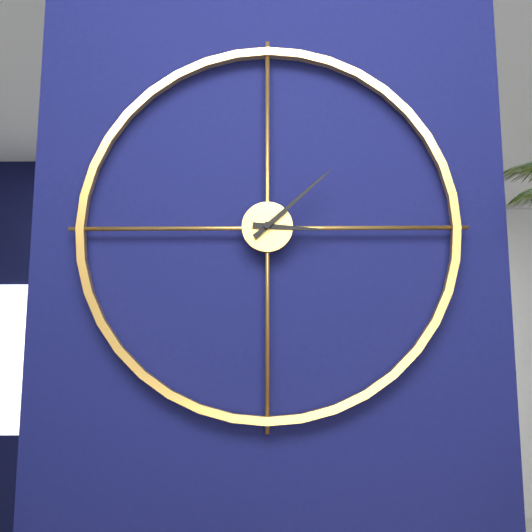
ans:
**3:08**
